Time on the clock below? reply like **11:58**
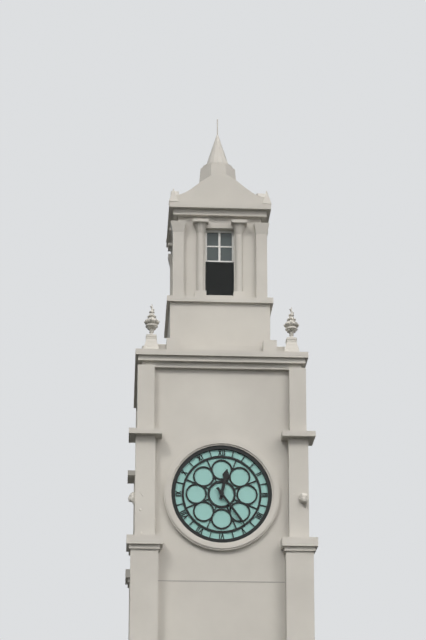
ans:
**12:24**
